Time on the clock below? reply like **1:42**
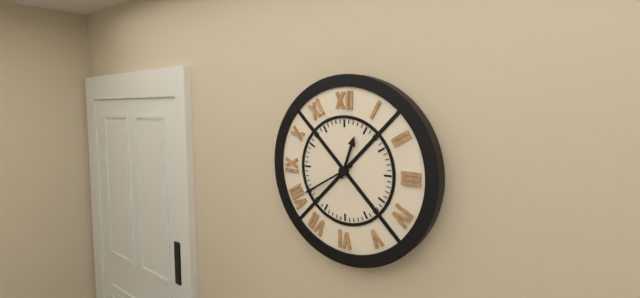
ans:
**12:40**
